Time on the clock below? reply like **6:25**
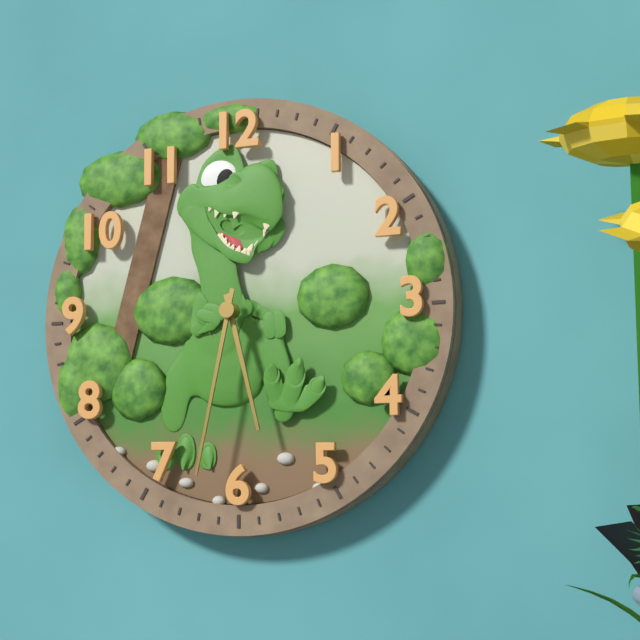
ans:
**5:32**
